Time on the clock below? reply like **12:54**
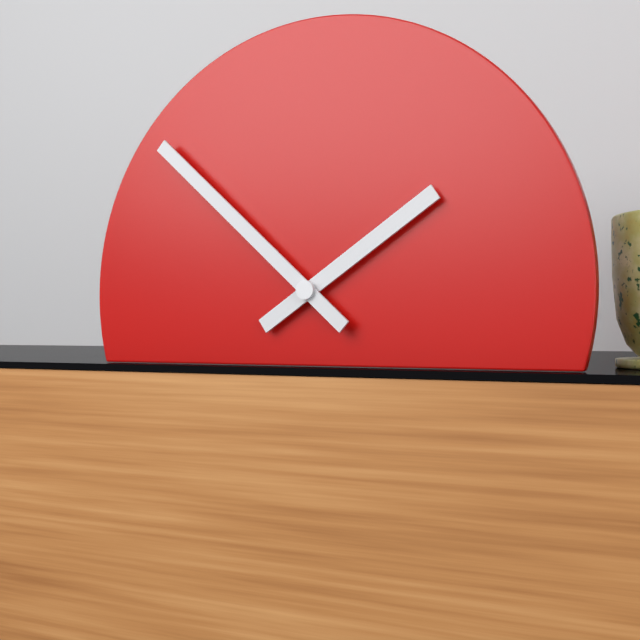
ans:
**1:52**
